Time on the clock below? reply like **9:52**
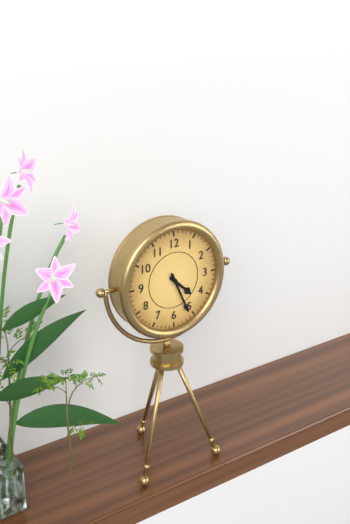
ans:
**4:26**
